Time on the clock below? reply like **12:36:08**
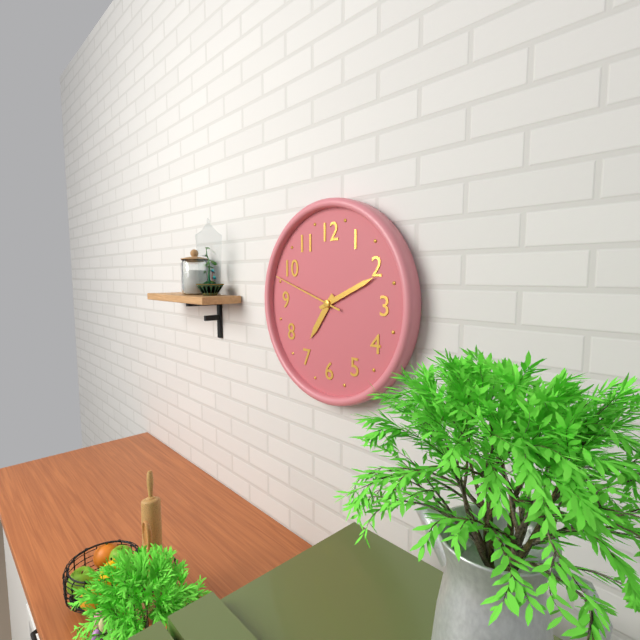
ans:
**7:11:48**
